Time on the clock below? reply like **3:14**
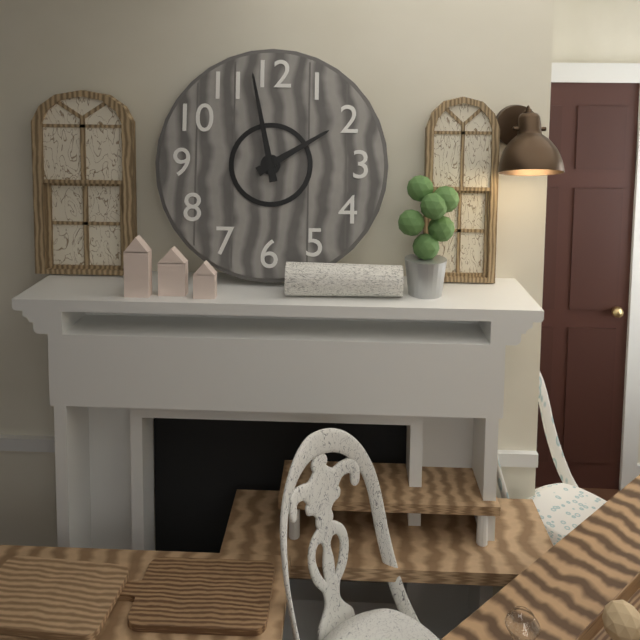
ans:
**1:58**
